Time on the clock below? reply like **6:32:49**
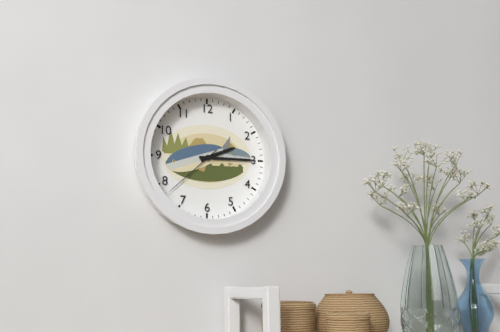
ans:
**2:15:38**
